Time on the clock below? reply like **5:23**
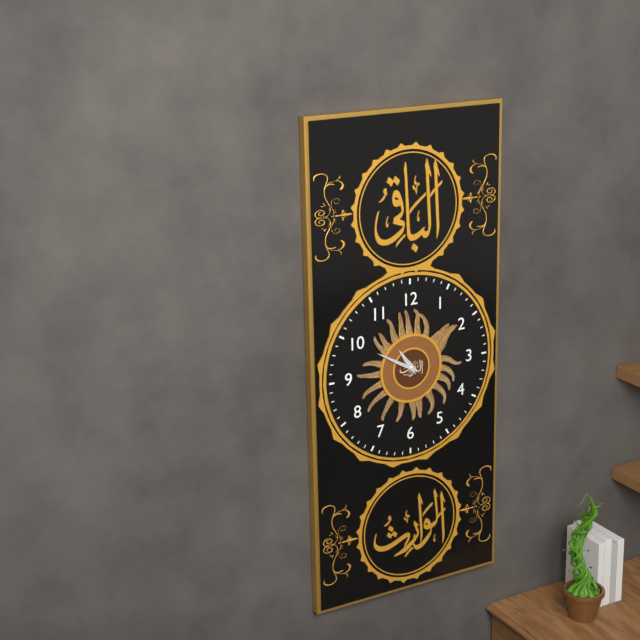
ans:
**10:50**
